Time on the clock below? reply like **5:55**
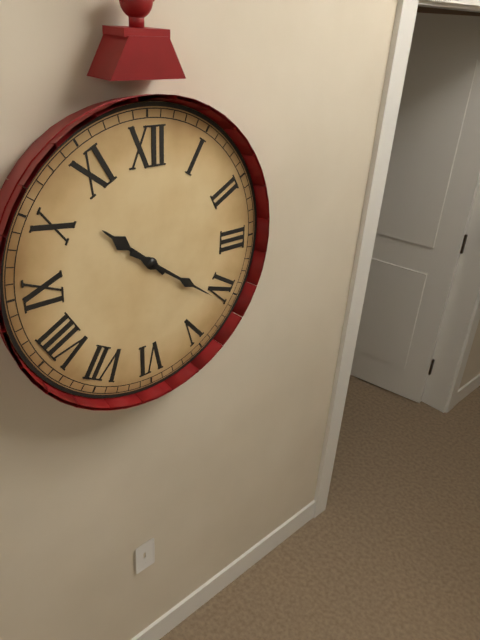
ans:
**10:21**
